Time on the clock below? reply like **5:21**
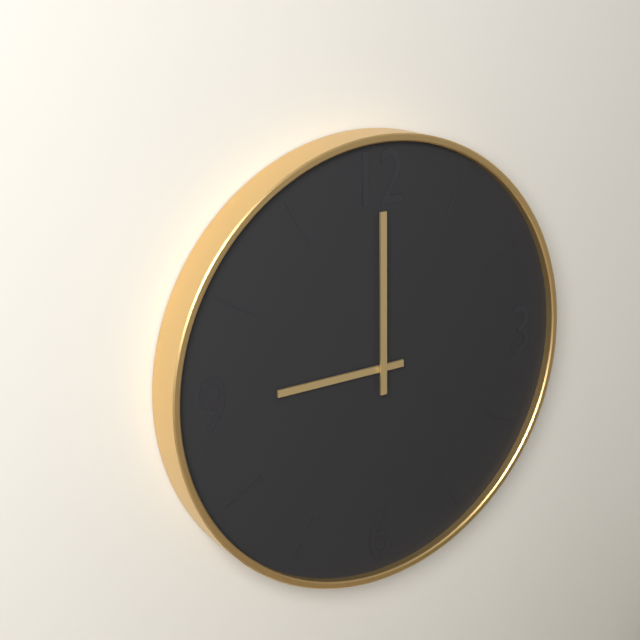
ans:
**9:00**
